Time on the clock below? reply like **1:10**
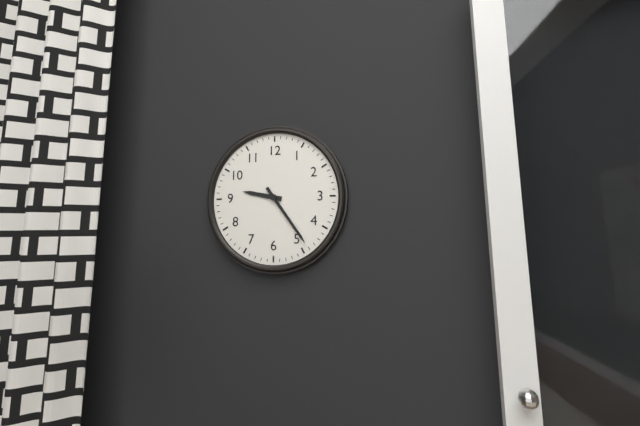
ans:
**9:24**
